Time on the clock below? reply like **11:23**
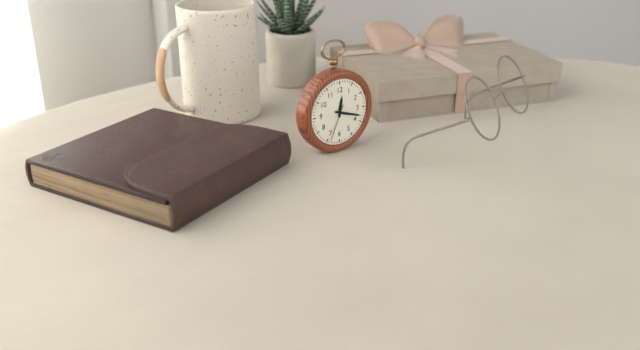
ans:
**12:18**
